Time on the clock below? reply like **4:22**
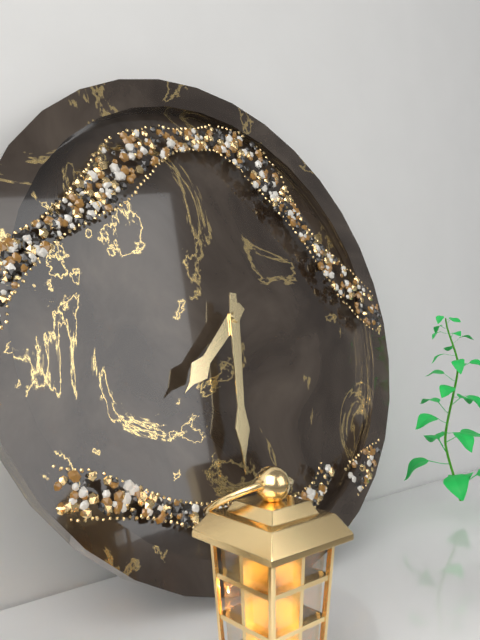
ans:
**7:31**
